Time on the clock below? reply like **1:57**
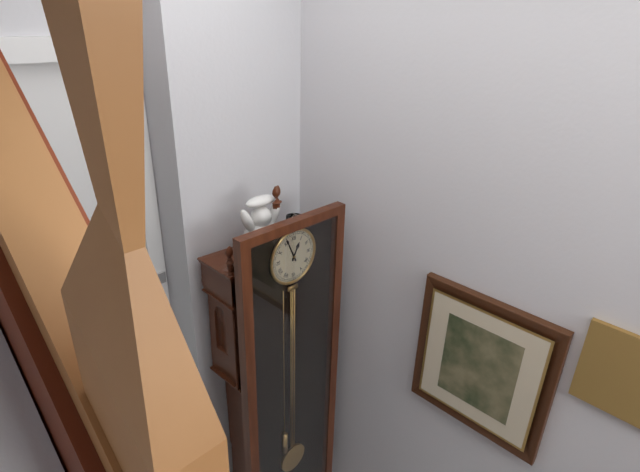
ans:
**12:56**
